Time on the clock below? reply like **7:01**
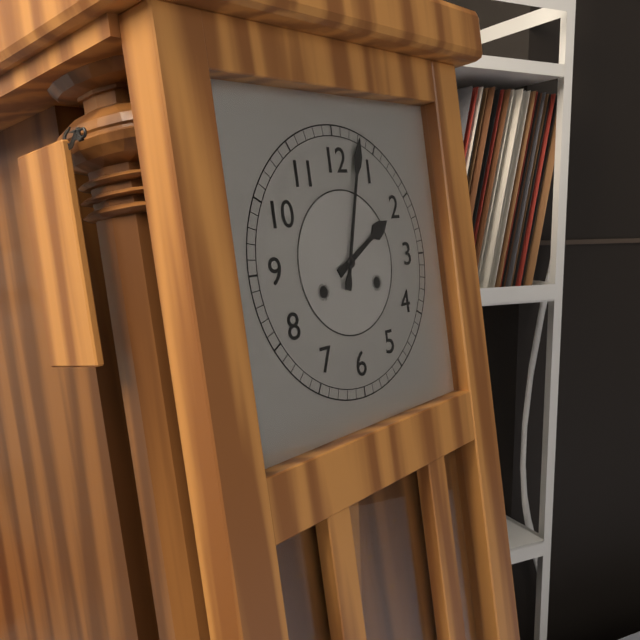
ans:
**2:03**
